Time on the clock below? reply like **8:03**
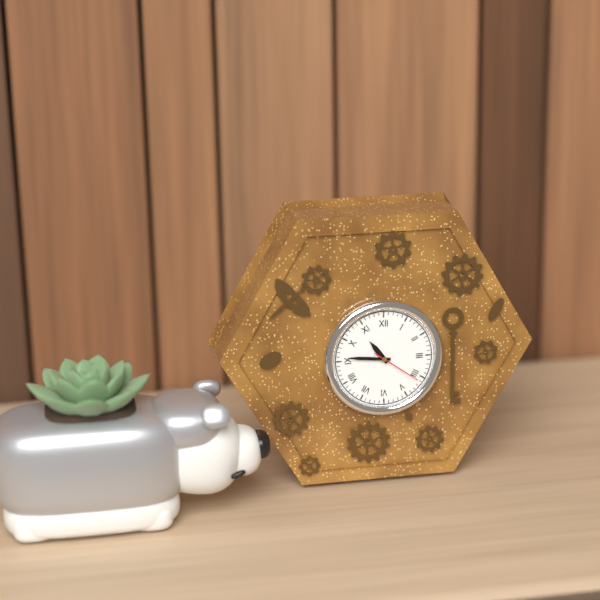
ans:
**10:46**
